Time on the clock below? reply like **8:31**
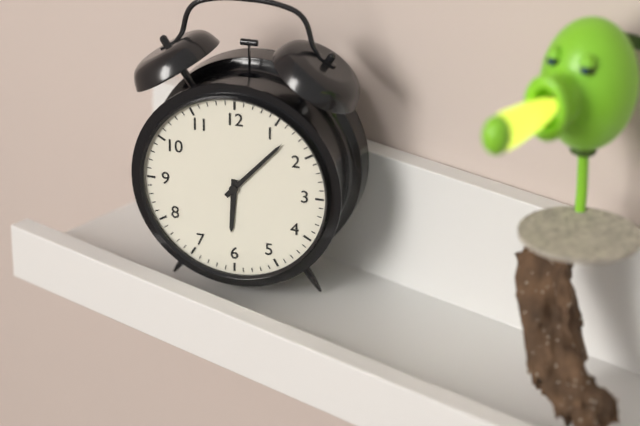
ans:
**6:07**
